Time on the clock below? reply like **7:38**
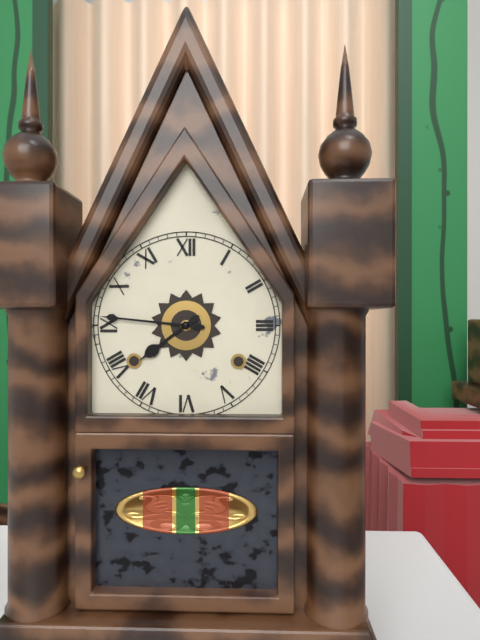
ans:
**7:46**
